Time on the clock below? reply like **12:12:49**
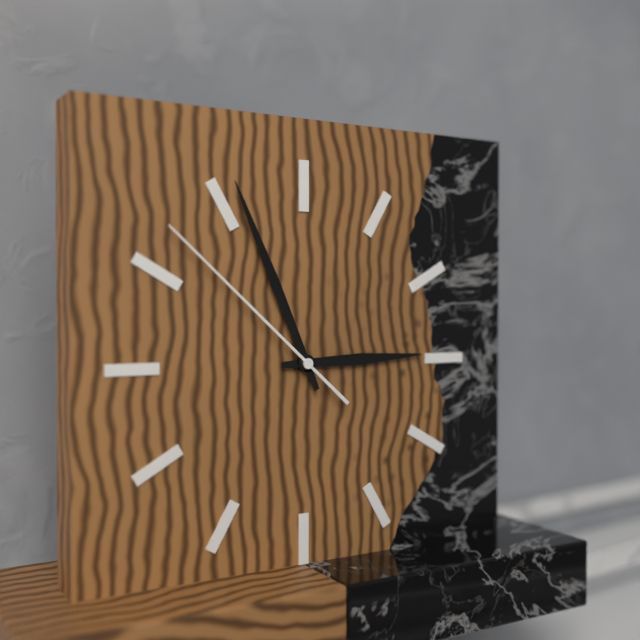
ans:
**2:56:52**
